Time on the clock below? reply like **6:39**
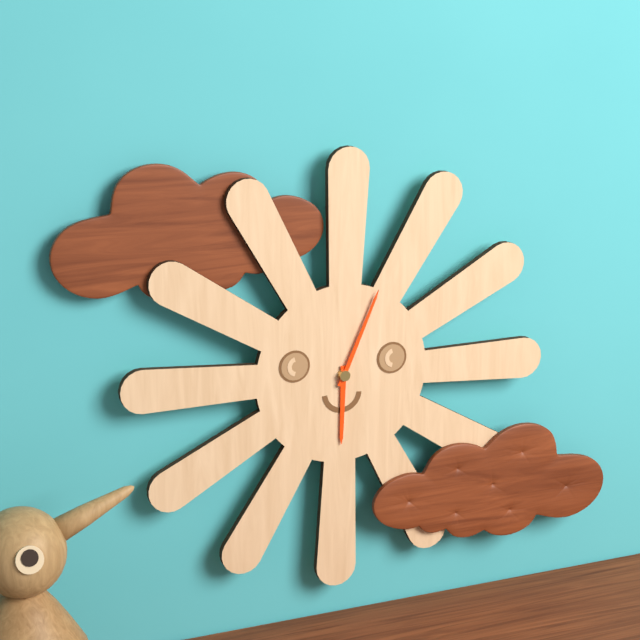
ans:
**6:04**
